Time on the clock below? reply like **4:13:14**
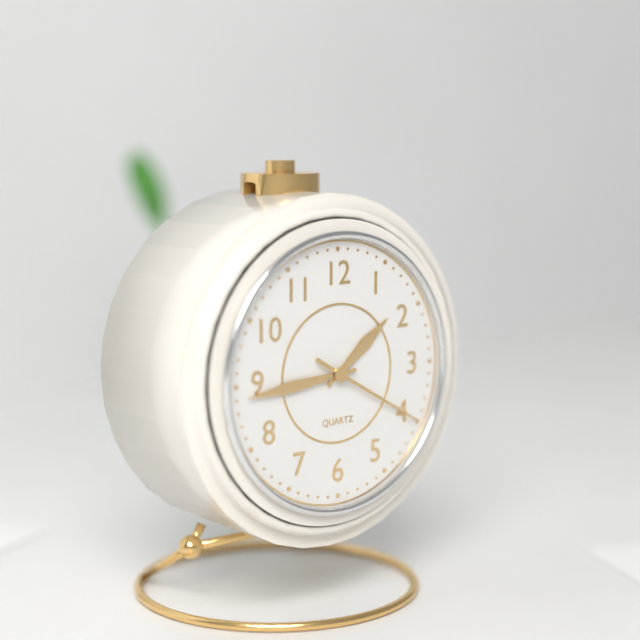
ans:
**1:44:20**
